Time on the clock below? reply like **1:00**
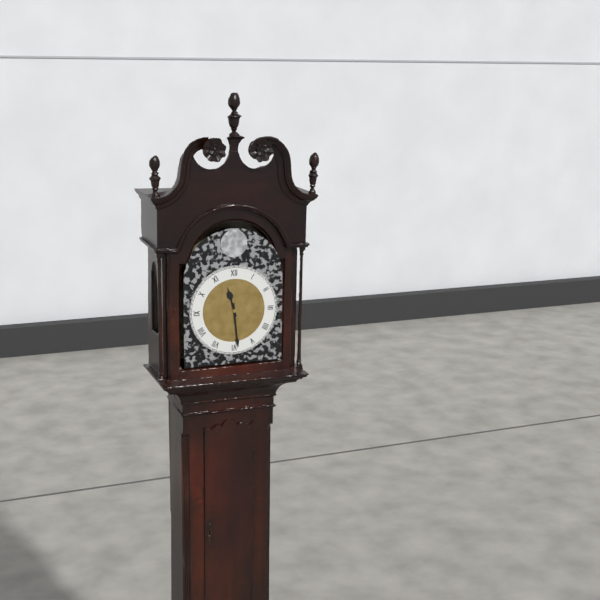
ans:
**11:29**
